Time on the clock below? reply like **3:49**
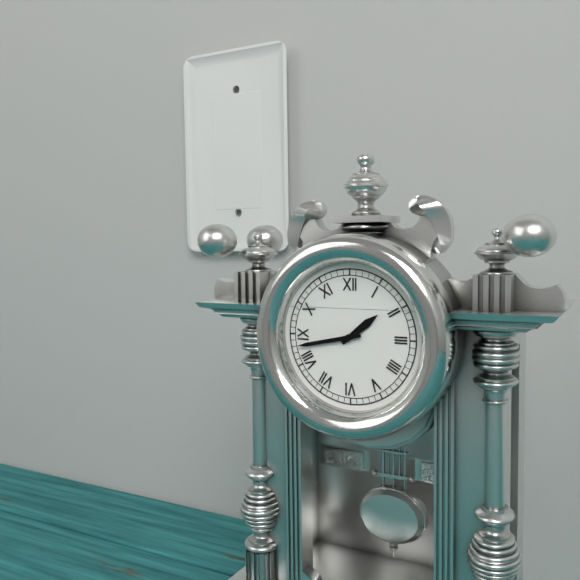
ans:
**1:43**
